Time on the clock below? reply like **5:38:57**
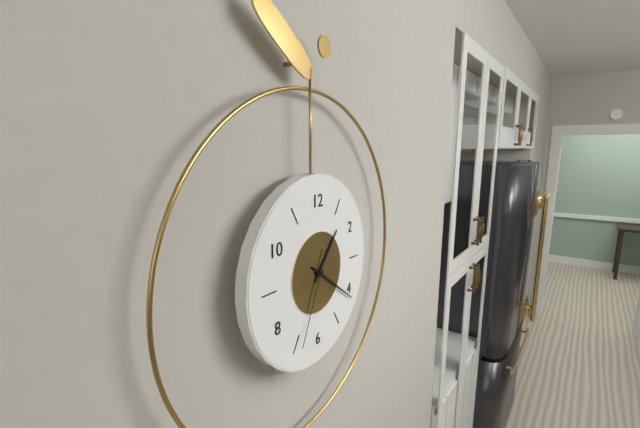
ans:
**1:21:34**
